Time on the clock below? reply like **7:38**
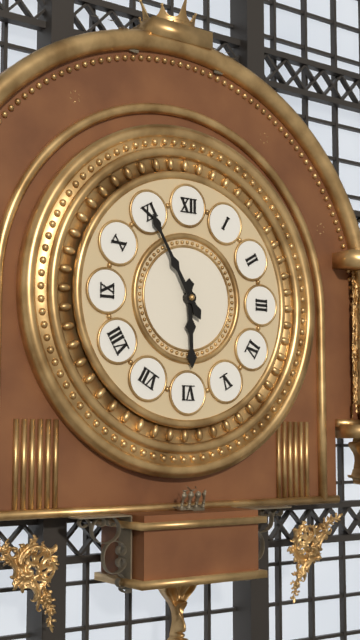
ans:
**5:55**
